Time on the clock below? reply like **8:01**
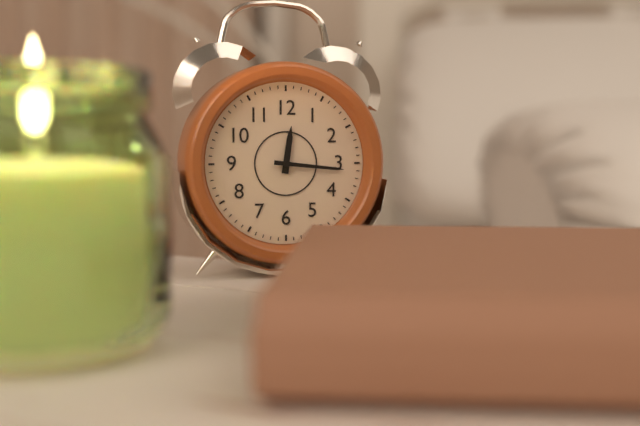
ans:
**12:16**
